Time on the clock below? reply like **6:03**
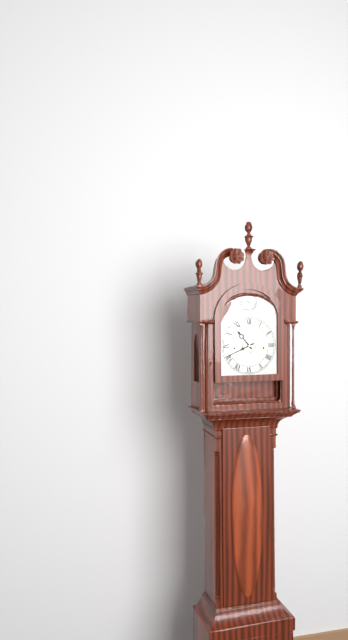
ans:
**10:41**
